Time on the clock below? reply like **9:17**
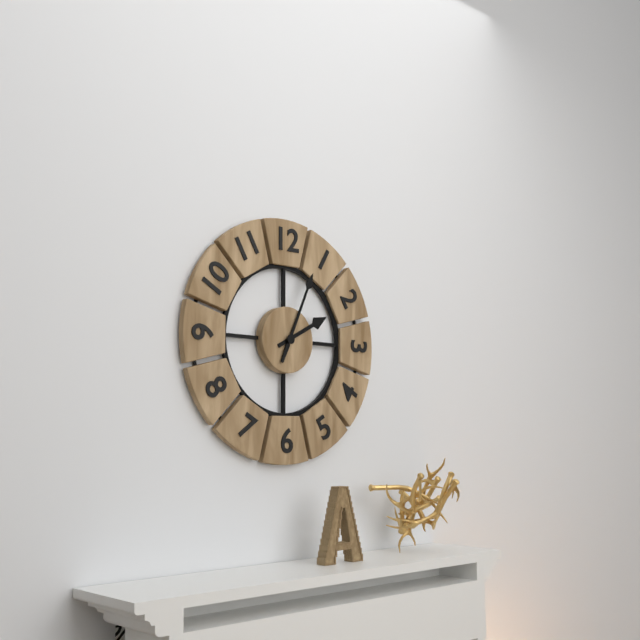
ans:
**2:04**
